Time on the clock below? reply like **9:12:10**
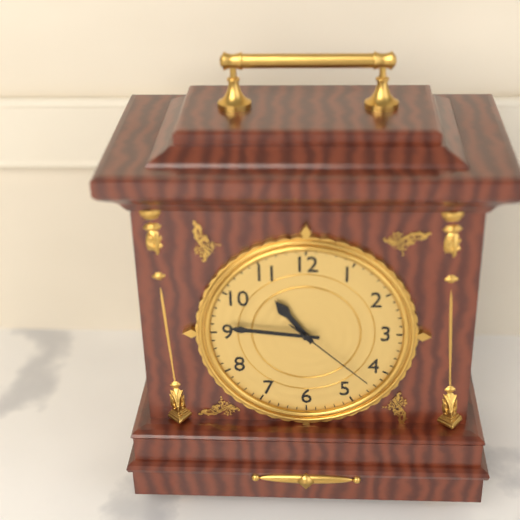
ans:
**10:46:22**
